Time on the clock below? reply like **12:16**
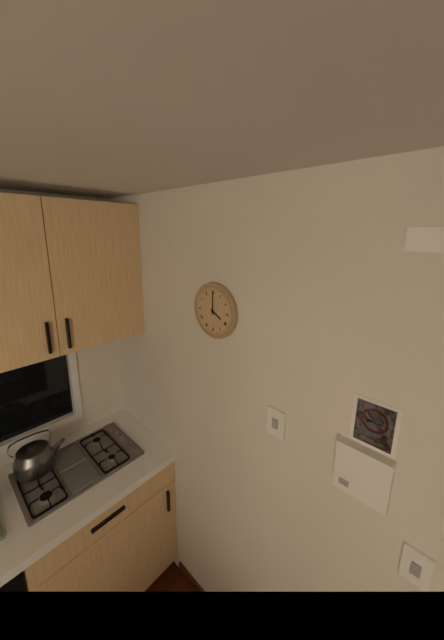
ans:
**4:00**
